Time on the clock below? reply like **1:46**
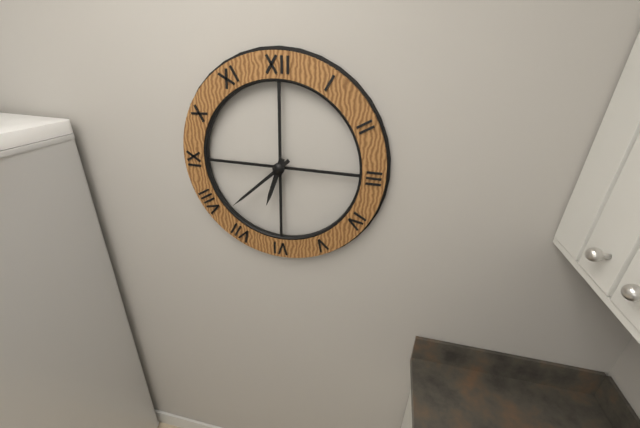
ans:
**6:38**
